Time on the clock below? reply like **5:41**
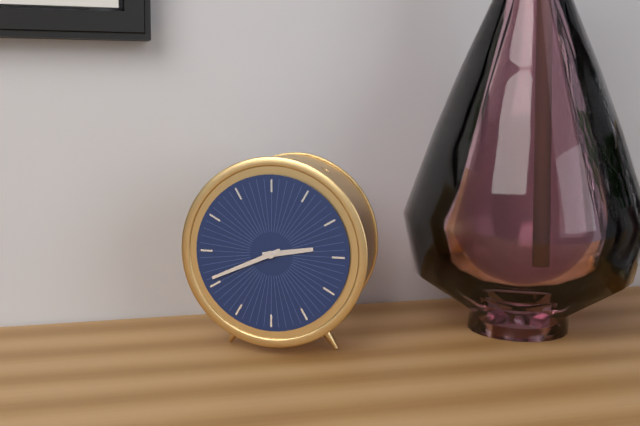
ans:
**2:41**
